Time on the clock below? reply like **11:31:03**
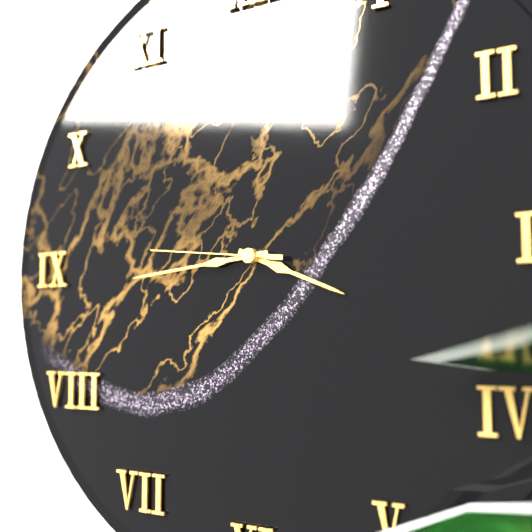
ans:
**3:44:46**
